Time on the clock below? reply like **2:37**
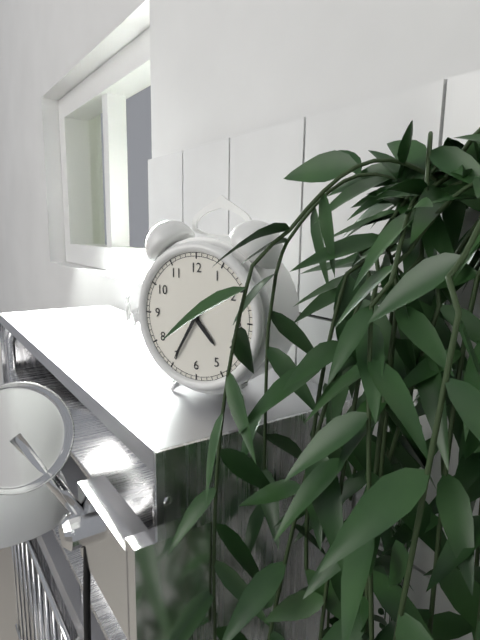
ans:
**4:35**
